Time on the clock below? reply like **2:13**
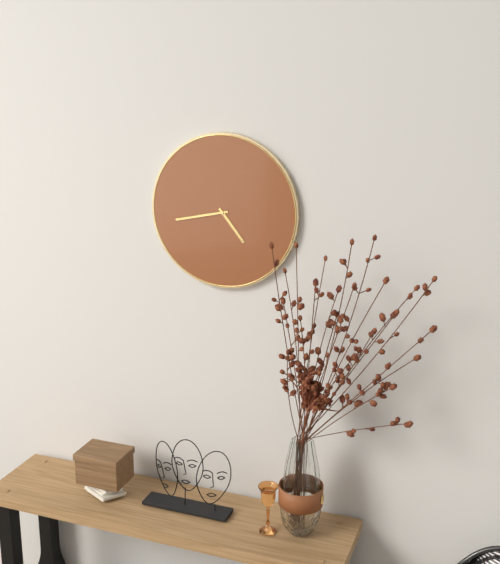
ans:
**4:43**
